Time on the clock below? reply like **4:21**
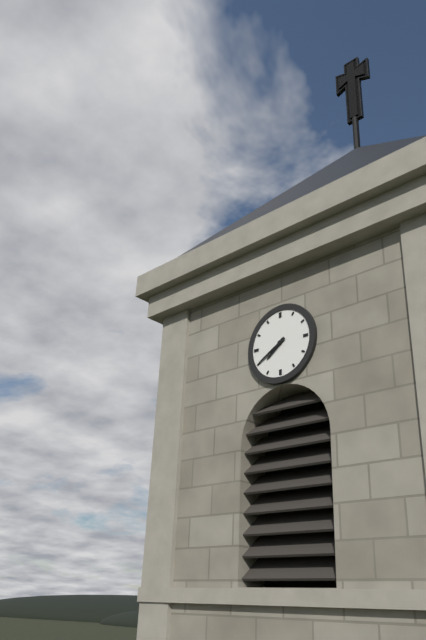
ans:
**7:40**
